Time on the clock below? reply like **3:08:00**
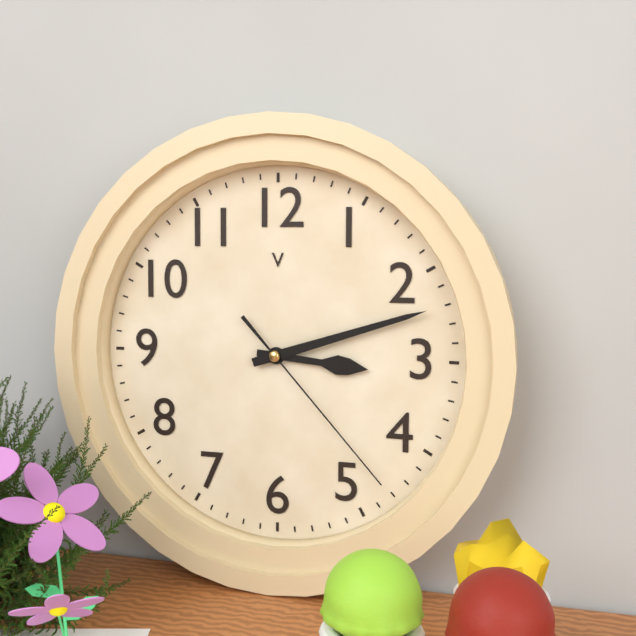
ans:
**3:12:23**
